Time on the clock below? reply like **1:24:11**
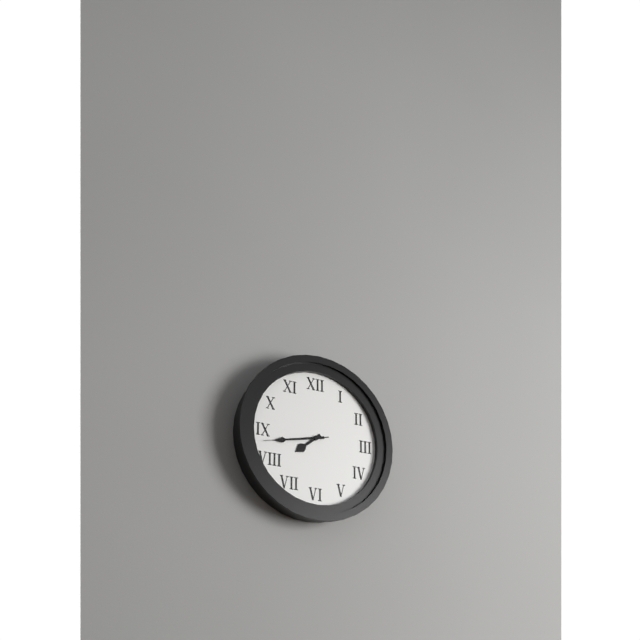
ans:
**7:43:43**
